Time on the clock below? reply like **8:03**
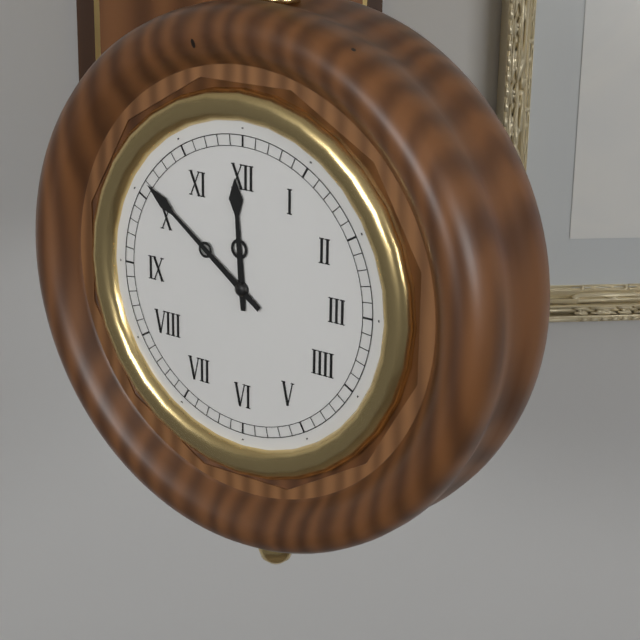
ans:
**11:51**
